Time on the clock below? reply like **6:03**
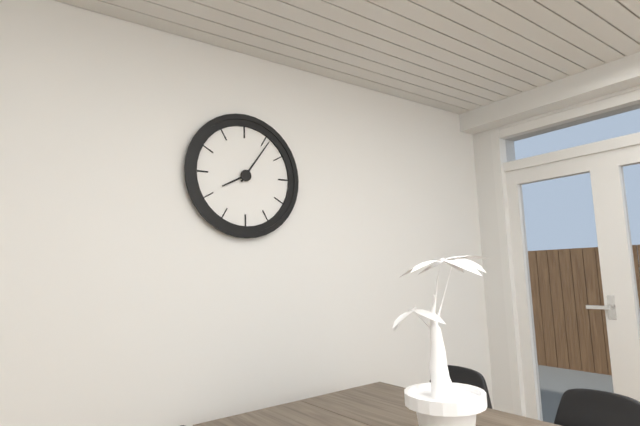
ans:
**8:06**
